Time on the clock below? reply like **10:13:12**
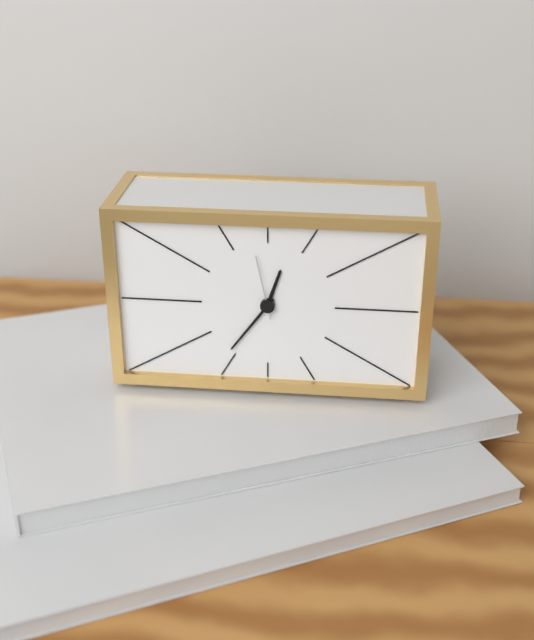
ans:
**12:36:58**
